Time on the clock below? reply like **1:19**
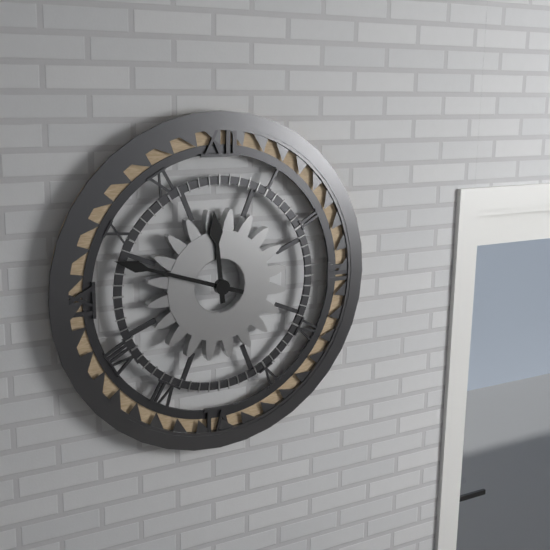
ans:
**11:48**
